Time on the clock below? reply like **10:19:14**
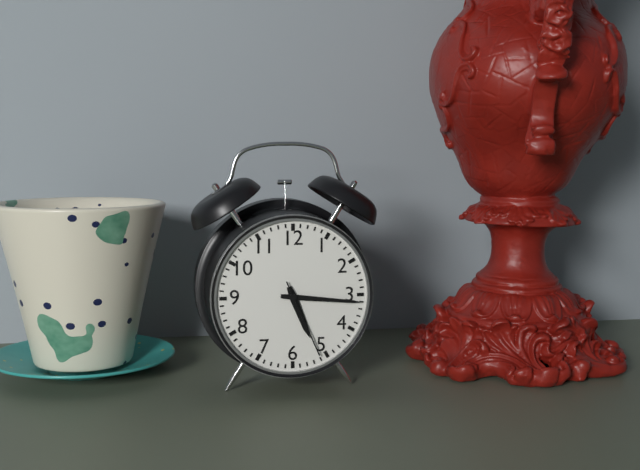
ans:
**5:16:26**
